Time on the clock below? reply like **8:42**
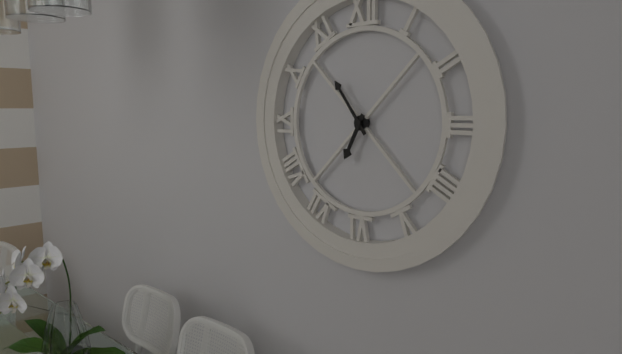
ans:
**6:54**
